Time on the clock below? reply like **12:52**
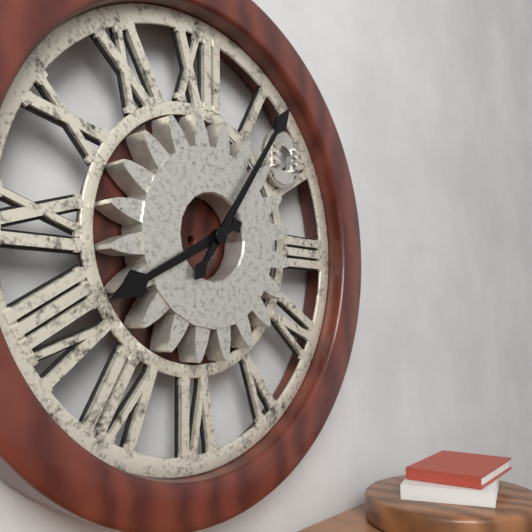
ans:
**8:06**
